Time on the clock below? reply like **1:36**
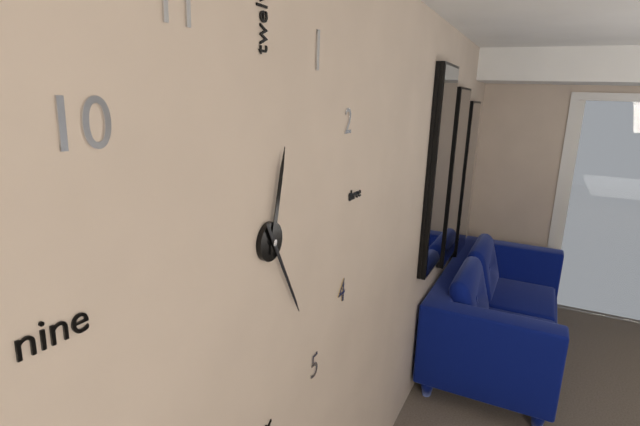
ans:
**12:25**
